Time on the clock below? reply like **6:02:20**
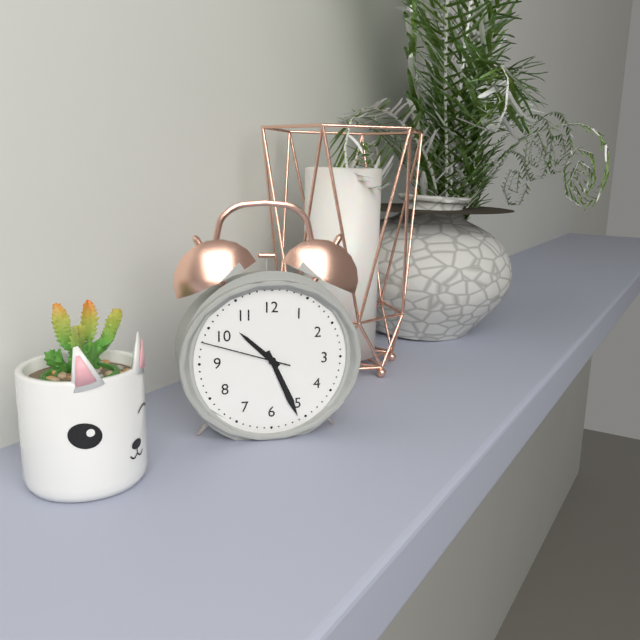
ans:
**10:26:48**
